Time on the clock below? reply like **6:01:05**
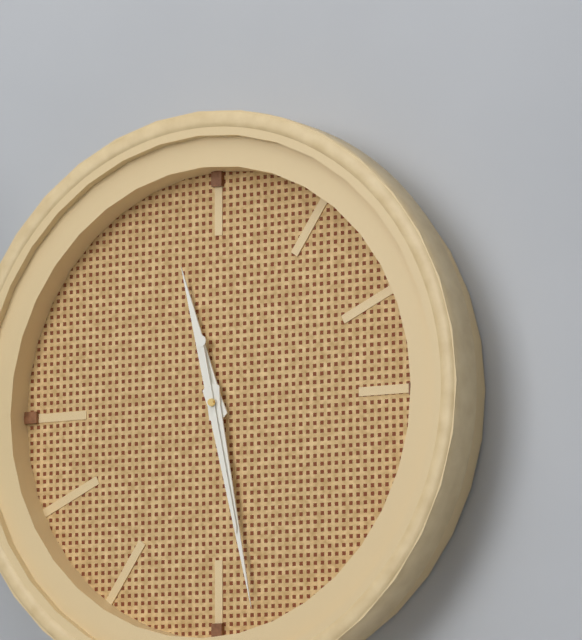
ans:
**11:28:28**
